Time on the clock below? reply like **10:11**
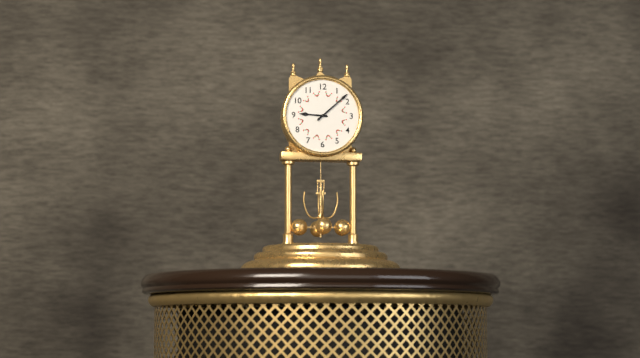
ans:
**9:08**
